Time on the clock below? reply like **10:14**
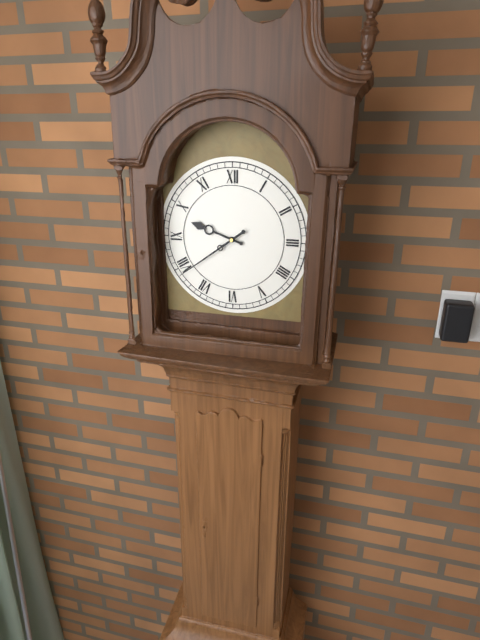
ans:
**9:39**
